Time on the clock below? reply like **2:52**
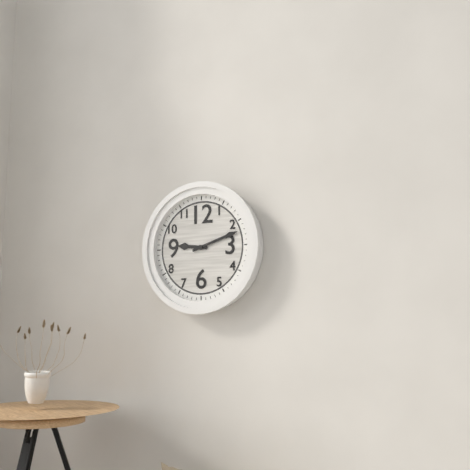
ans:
**9:12**
